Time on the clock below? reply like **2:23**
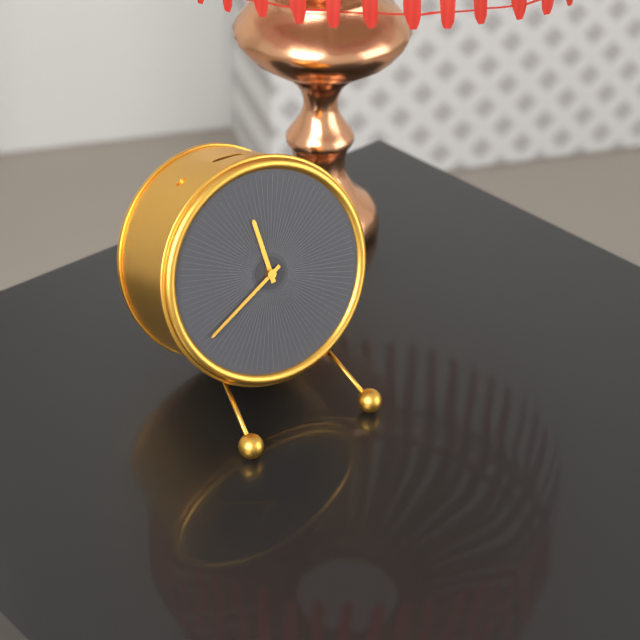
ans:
**11:40**
